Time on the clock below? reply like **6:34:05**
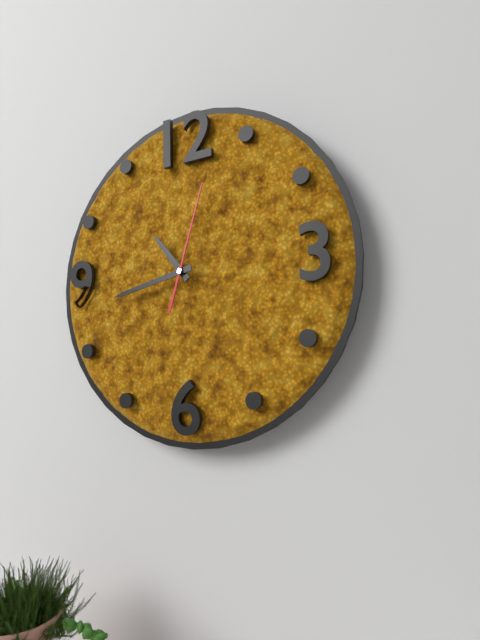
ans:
**10:43:03**
